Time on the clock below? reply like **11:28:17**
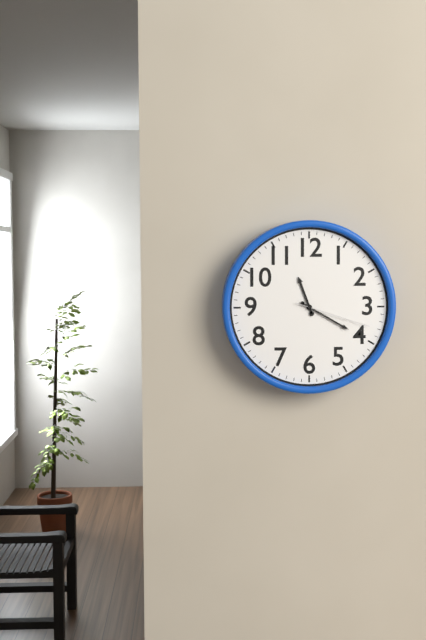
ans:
**11:20:18**
